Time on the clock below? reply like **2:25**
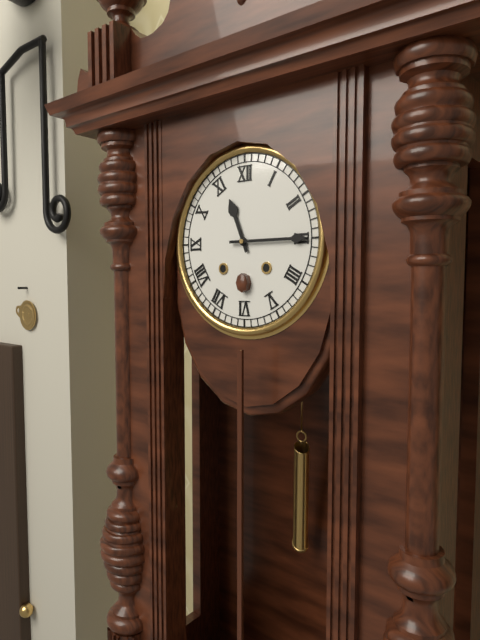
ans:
**11:15**
